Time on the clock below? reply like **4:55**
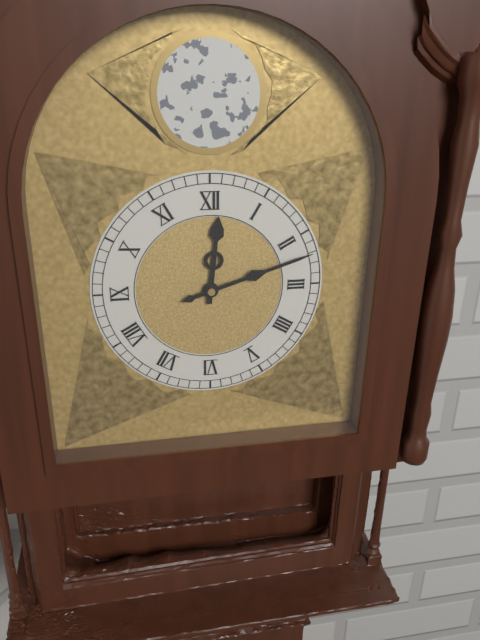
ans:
**12:12**
